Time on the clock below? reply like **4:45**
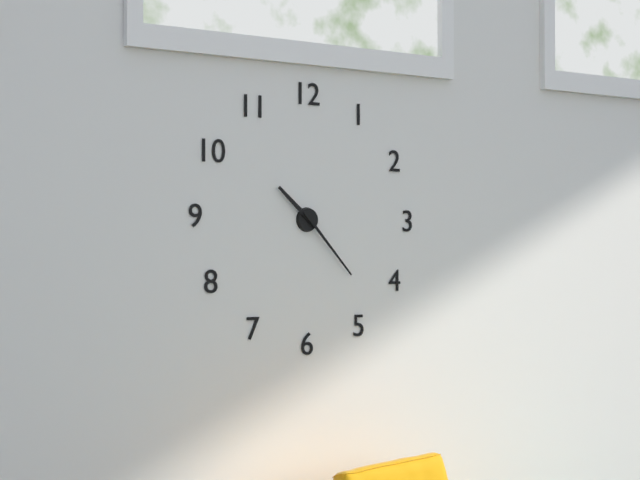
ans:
**10:23**
